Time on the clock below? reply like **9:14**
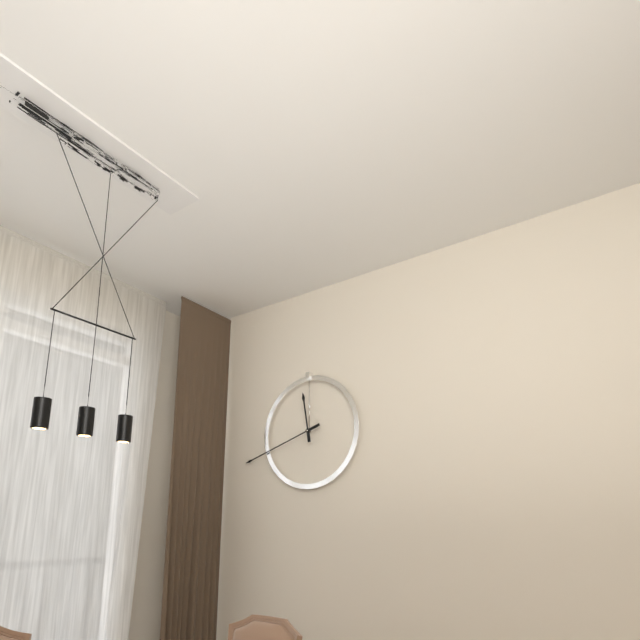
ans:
**11:42**
